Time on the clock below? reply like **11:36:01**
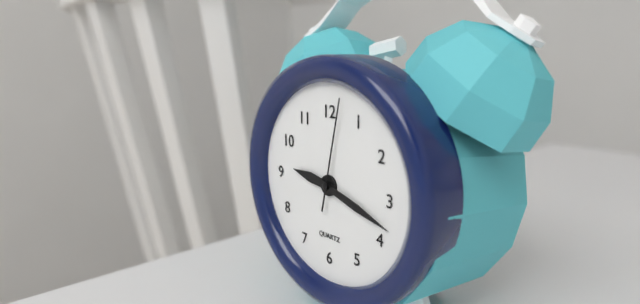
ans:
**9:18:02**
